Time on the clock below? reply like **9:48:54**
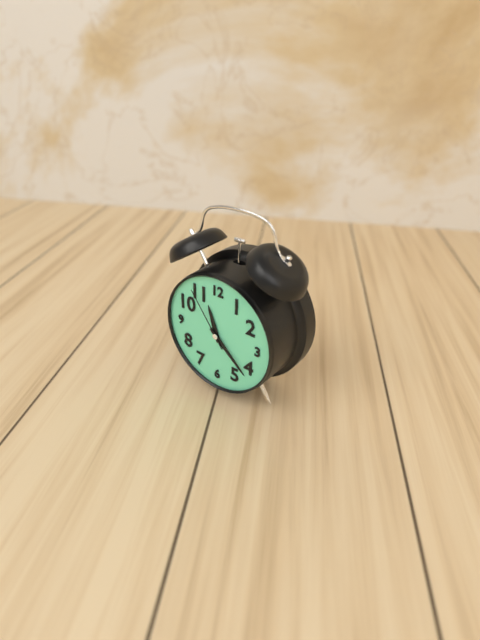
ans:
**11:22:54**
